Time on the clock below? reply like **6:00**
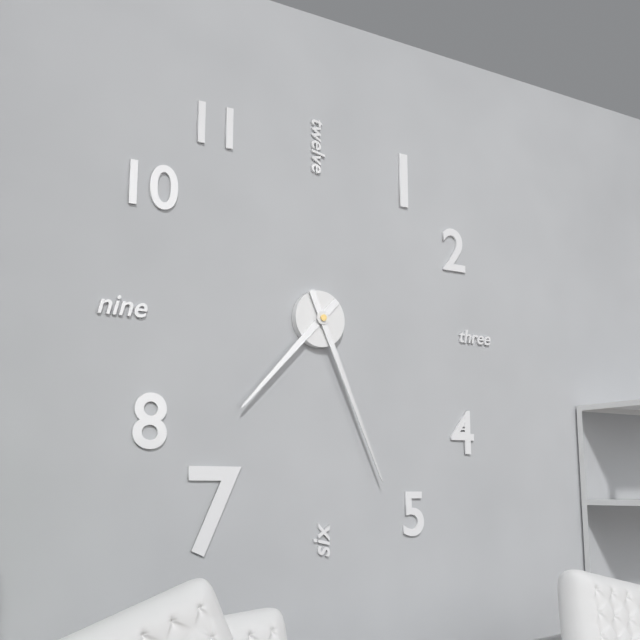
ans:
**7:26**
